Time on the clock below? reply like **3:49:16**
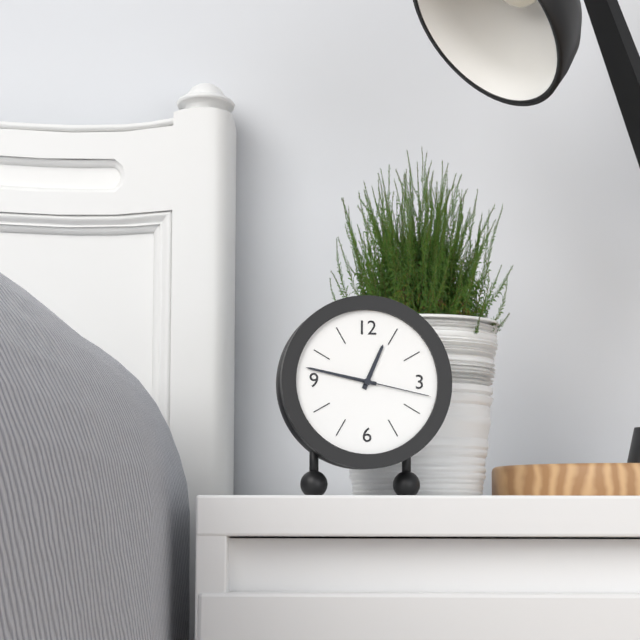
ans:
**12:47:17**
